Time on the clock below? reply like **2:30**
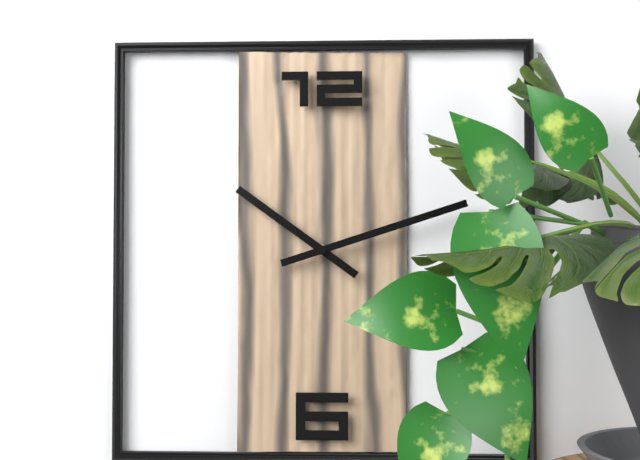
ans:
**10:12**
